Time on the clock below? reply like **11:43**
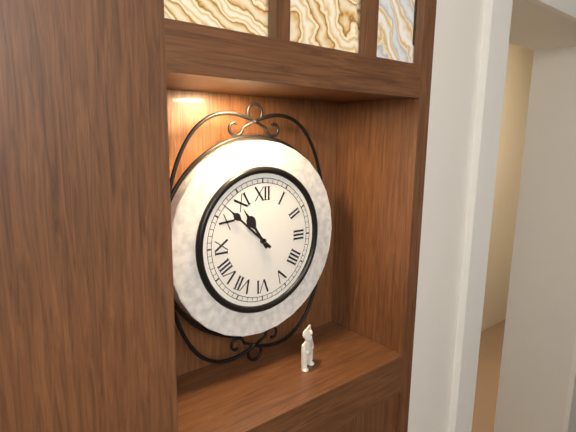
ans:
**10:52**
